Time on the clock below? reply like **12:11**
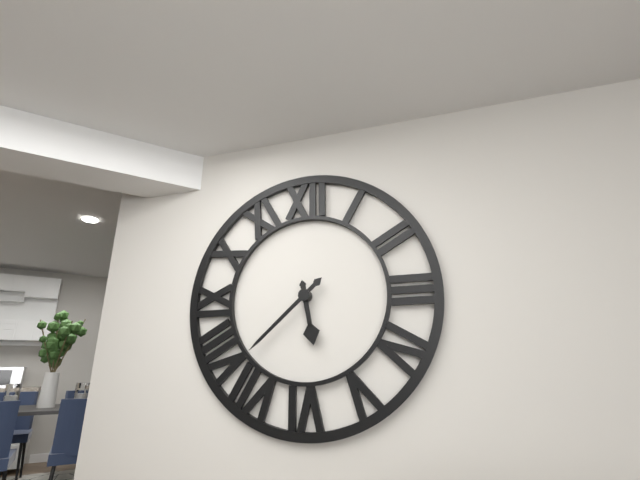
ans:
**5:38**
